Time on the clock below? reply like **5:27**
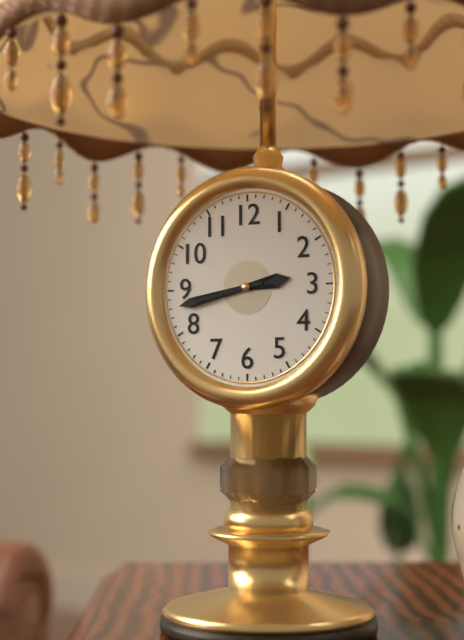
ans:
**2:43**
